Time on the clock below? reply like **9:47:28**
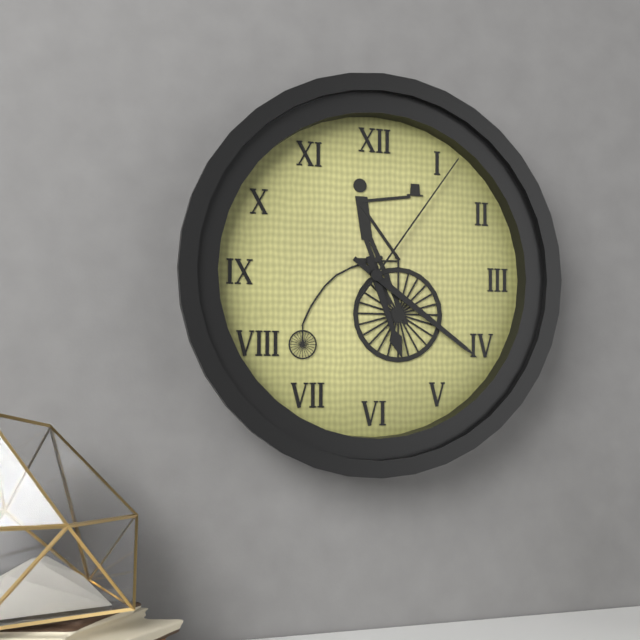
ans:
**5:21:06**
